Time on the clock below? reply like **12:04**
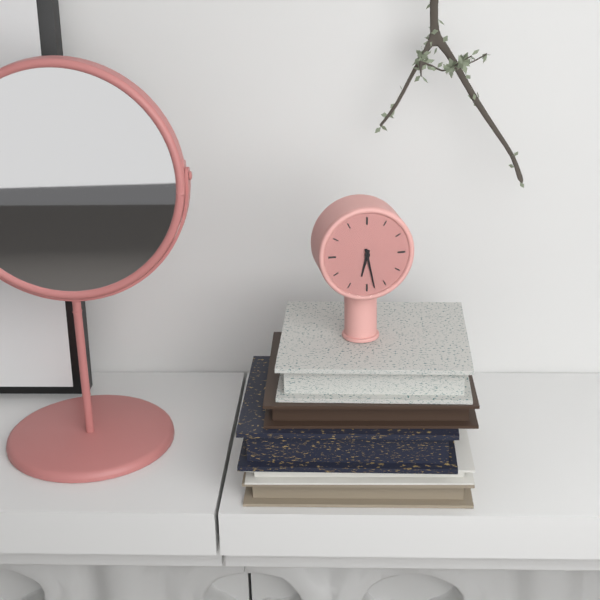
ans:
**6:28**
